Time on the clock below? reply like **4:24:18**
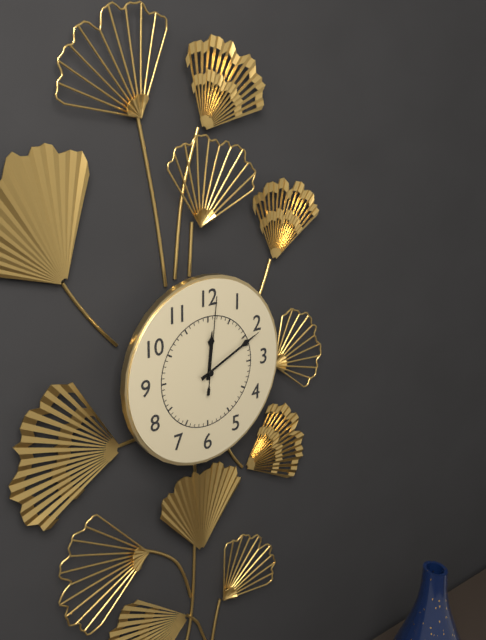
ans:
**12:11:01**
